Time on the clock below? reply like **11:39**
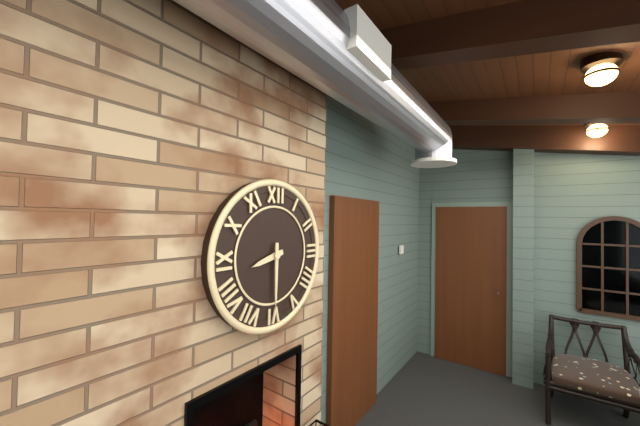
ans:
**8:30**
